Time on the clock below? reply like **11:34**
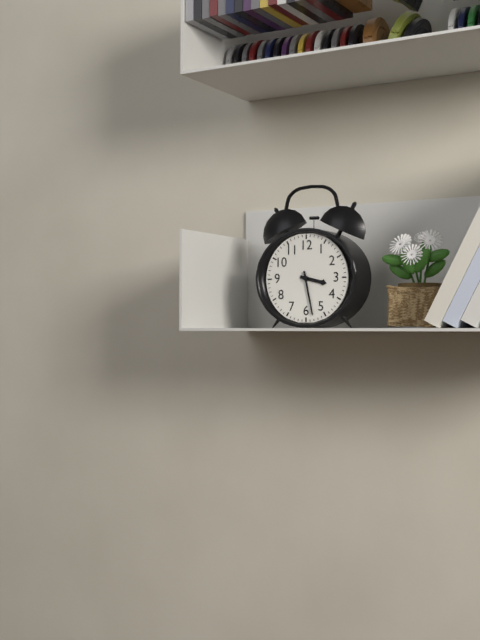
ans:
**3:28**
